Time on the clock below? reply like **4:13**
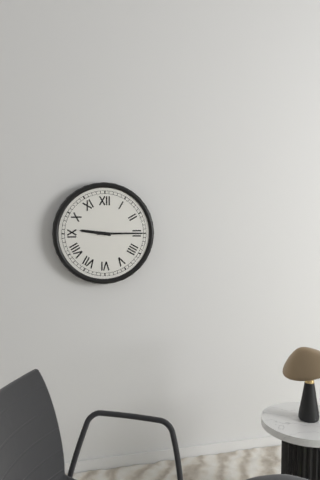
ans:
**9:15**
